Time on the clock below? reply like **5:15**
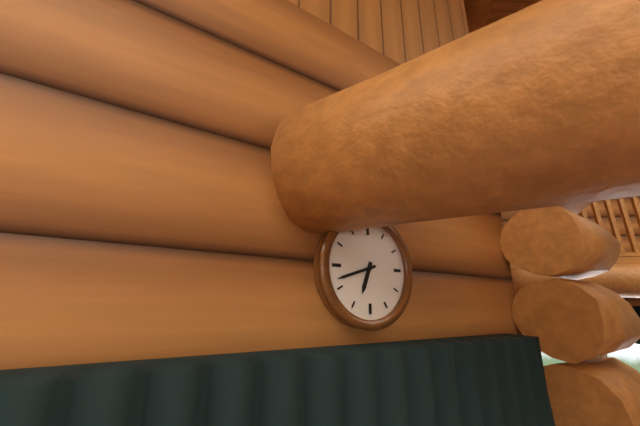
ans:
**6:42**
